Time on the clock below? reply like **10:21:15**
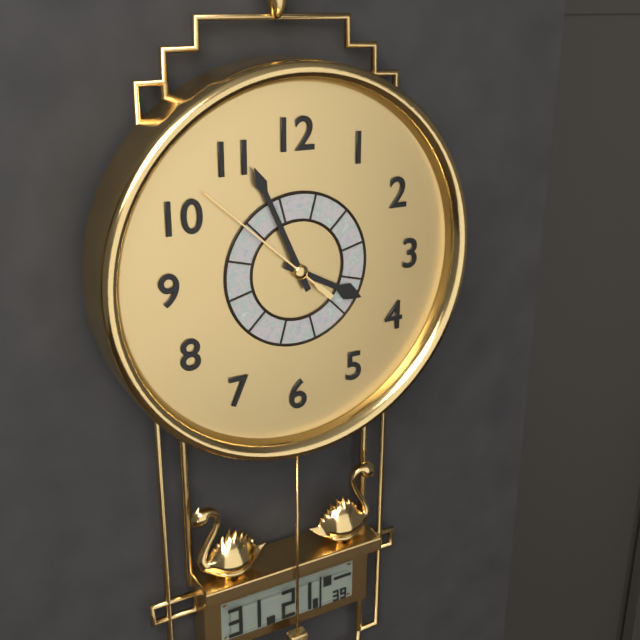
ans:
**3:56:52**
